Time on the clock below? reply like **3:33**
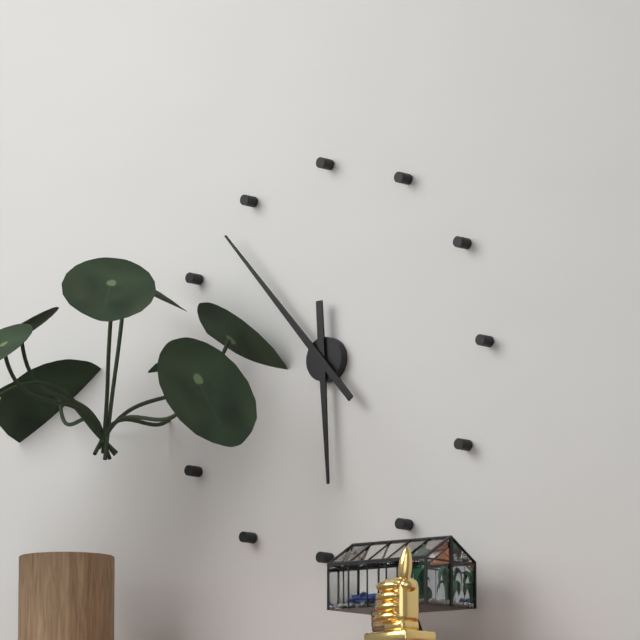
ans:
**5:53**
